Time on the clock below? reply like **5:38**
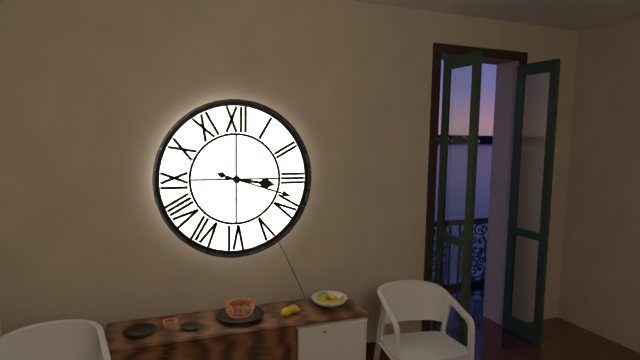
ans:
**3:18**
